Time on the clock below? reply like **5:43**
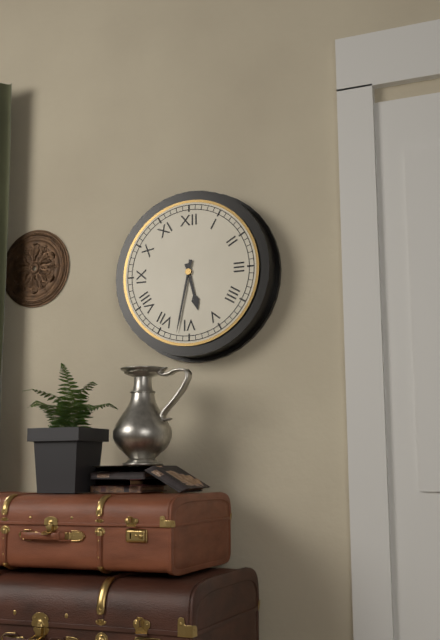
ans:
**5:32**
